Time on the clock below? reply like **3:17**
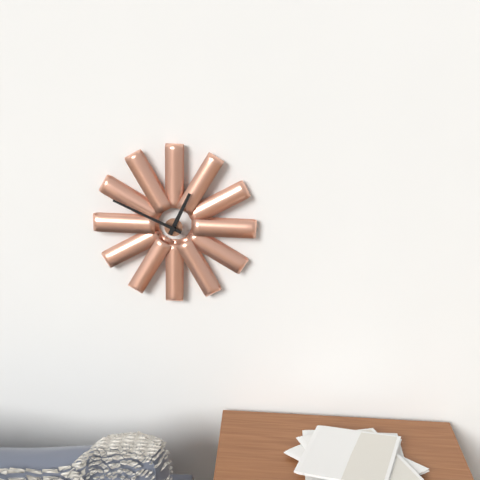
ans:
**12:49**
